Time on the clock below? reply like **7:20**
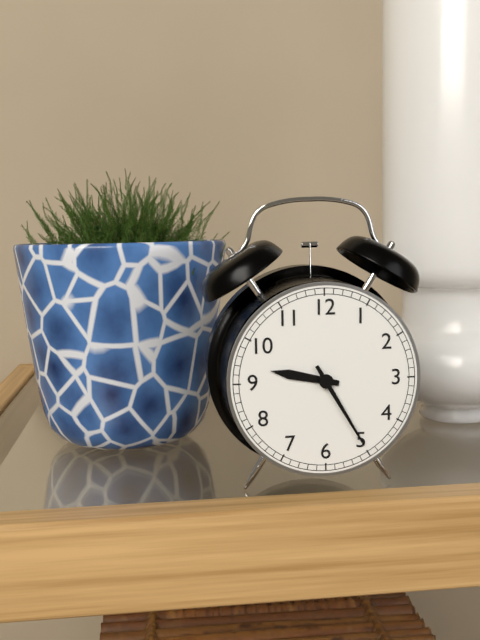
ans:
**9:25**
